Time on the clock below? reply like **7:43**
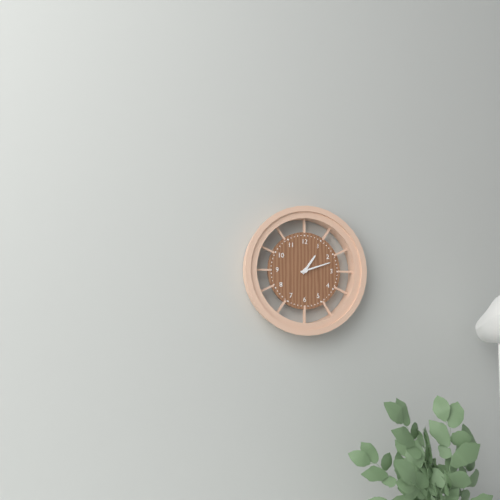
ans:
**1:12**
